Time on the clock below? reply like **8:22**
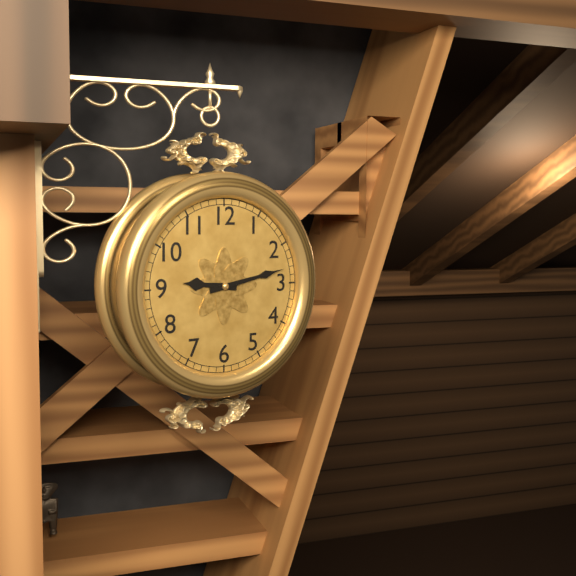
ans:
**9:13**
